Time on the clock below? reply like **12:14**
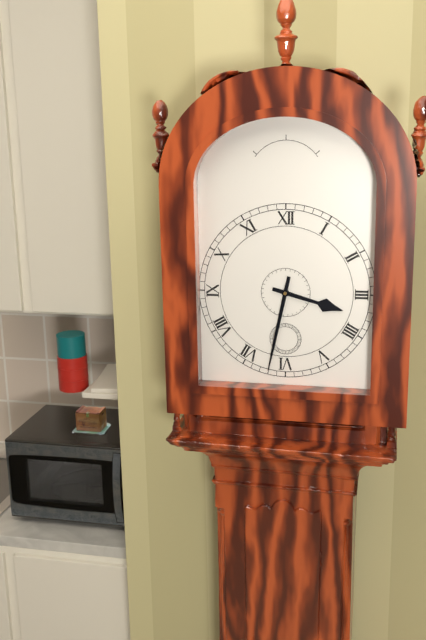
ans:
**3:32**
